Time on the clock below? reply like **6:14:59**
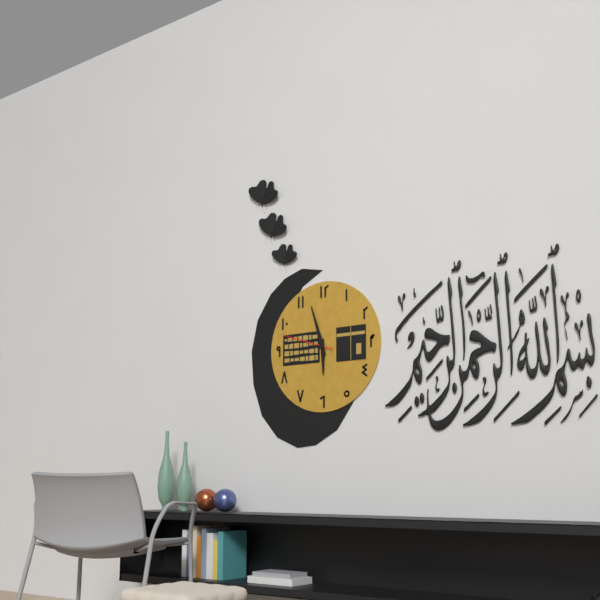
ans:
**5:57:48**
